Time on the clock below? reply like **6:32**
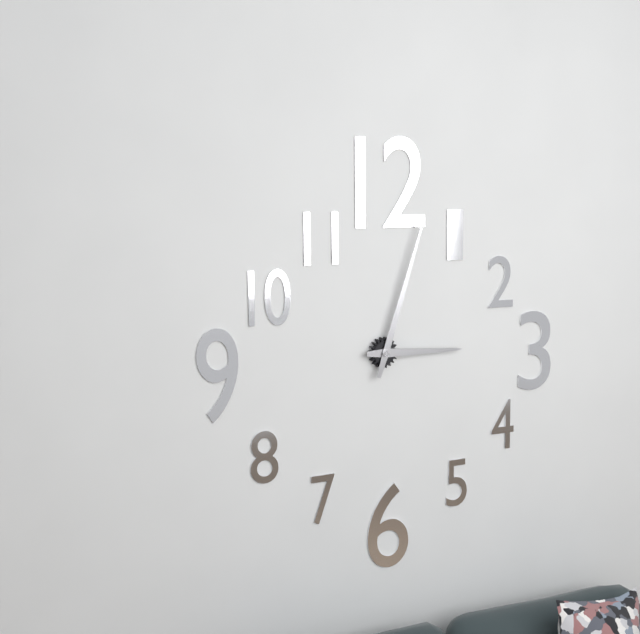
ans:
**3:03**
